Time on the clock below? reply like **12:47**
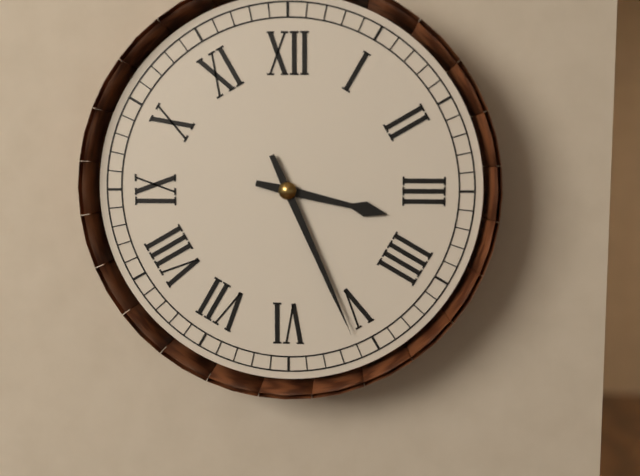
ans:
**3:26**
